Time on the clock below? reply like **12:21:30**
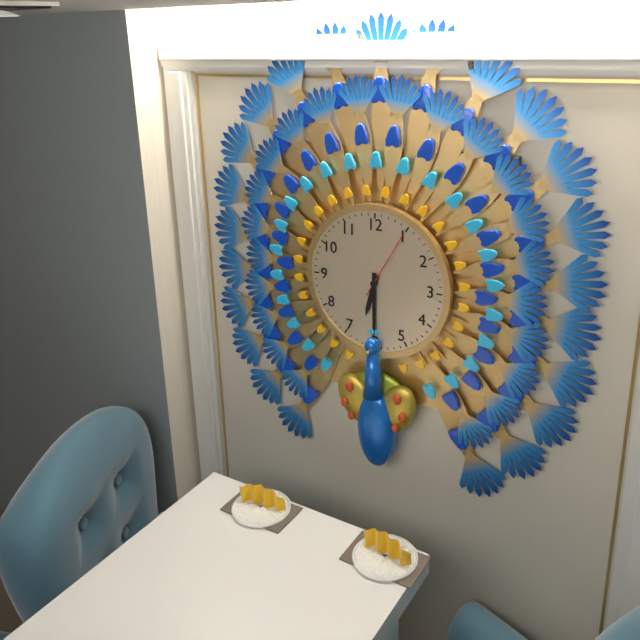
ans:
**6:30:05**
